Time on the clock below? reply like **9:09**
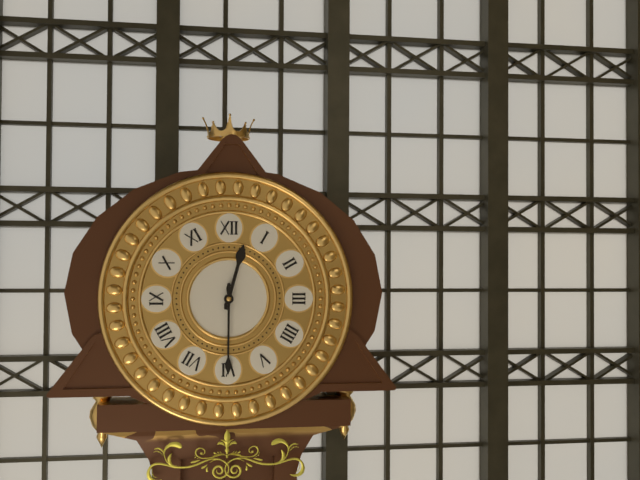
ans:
**12:30**
